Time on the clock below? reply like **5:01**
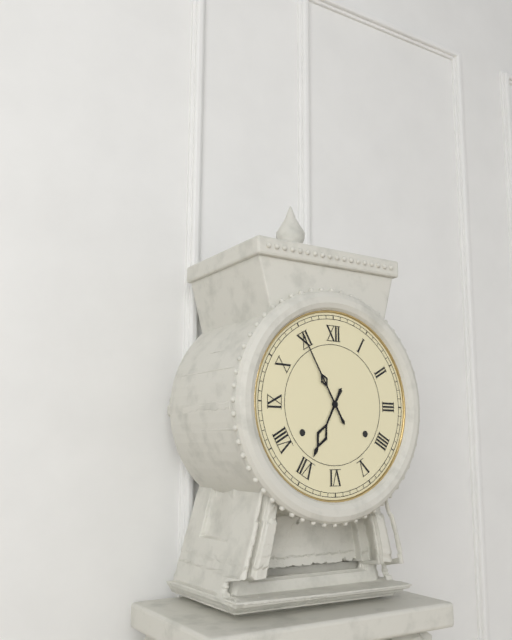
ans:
**6:55**
